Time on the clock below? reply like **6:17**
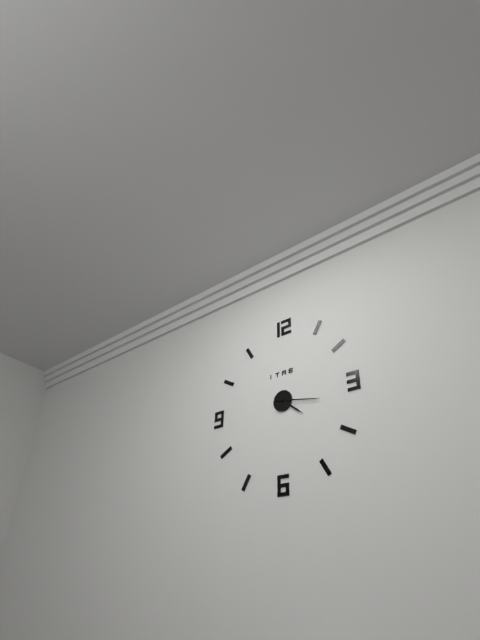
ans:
**4:17**
